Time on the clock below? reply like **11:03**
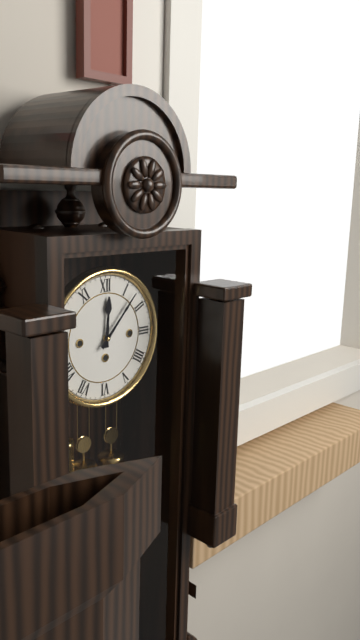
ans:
**12:07**
